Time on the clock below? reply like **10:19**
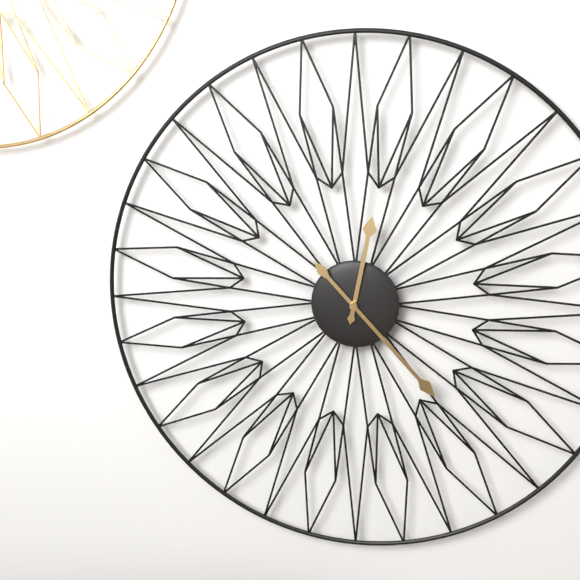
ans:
**12:23**
